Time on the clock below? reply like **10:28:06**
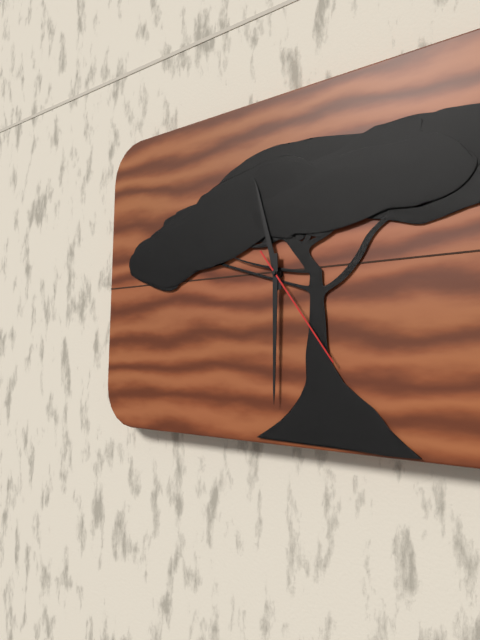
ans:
**11:30:24**
